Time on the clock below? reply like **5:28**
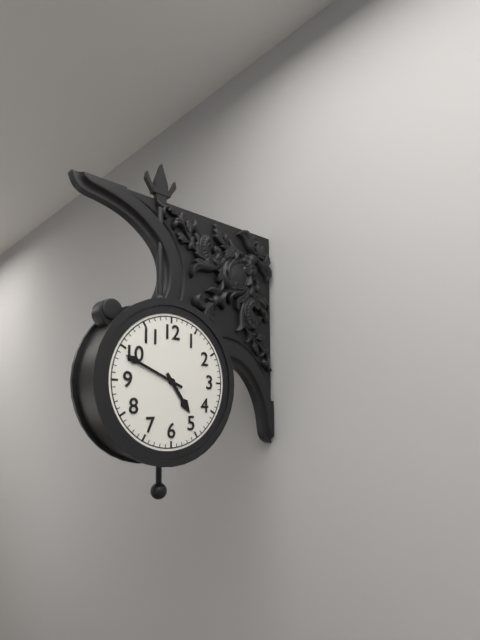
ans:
**4:49**
